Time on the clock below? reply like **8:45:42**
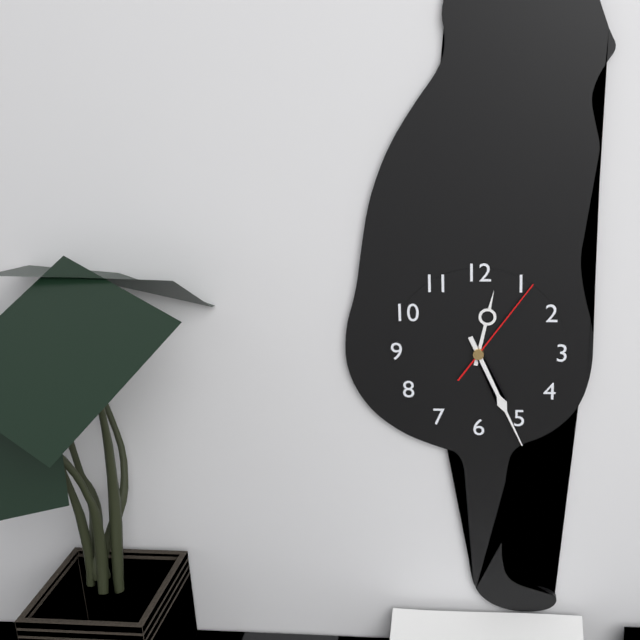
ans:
**12:26:06**
